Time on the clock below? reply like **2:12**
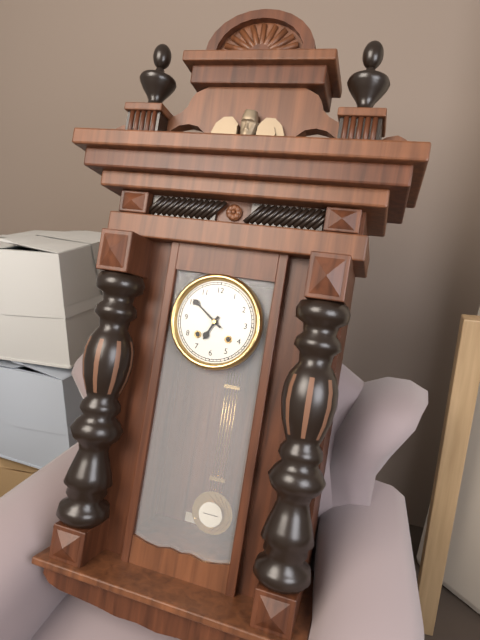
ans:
**6:51**
